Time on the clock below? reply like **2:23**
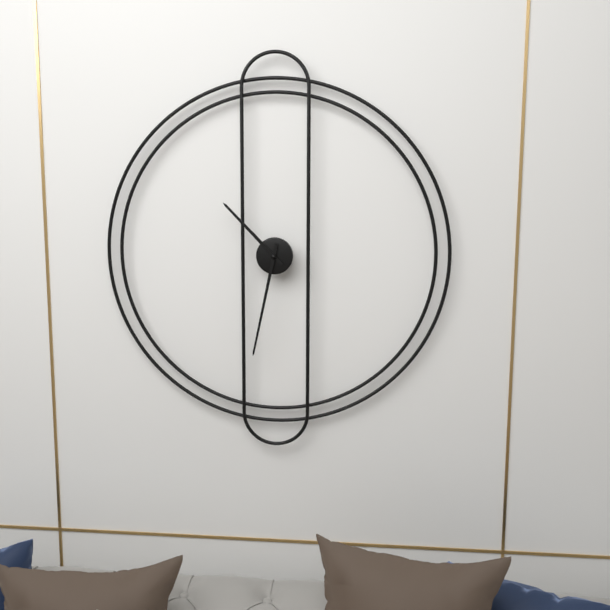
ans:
**10:32**
